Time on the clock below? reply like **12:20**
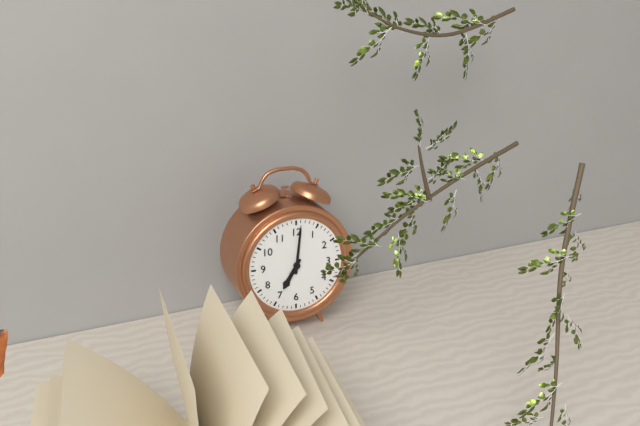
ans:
**7:01**
